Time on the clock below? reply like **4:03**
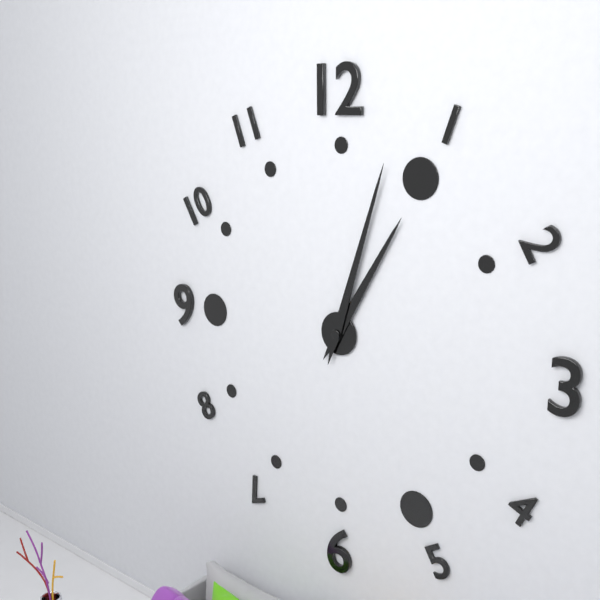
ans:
**1:03**
